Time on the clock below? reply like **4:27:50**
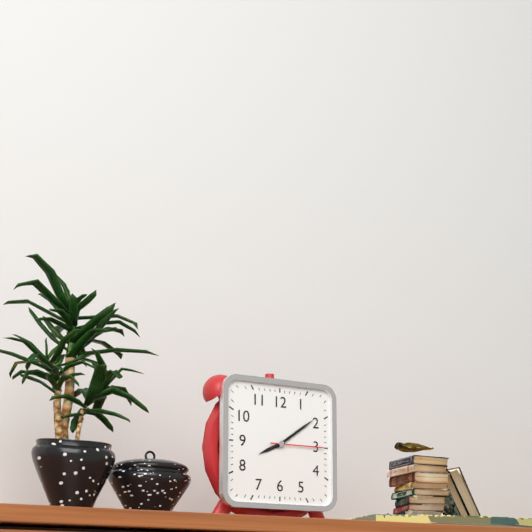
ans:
**8:09:15**
